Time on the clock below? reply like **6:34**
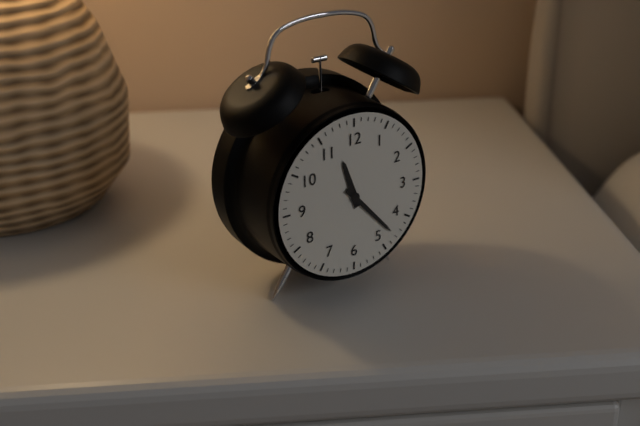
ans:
**11:23**
